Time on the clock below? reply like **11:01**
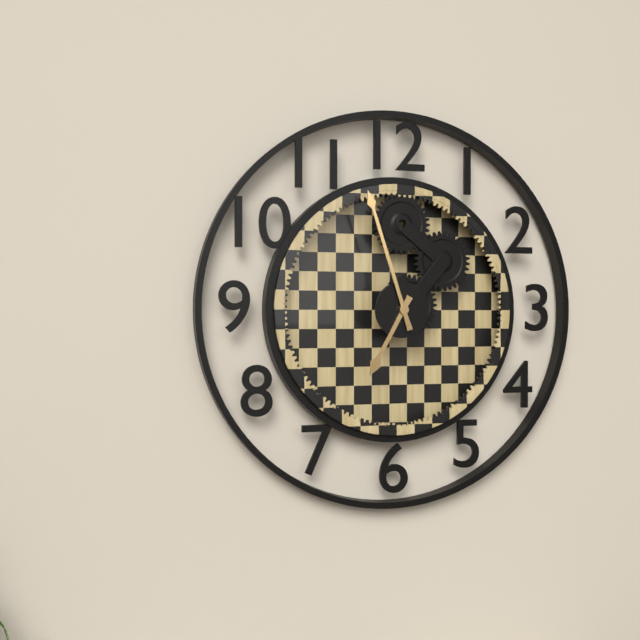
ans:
**6:57**
